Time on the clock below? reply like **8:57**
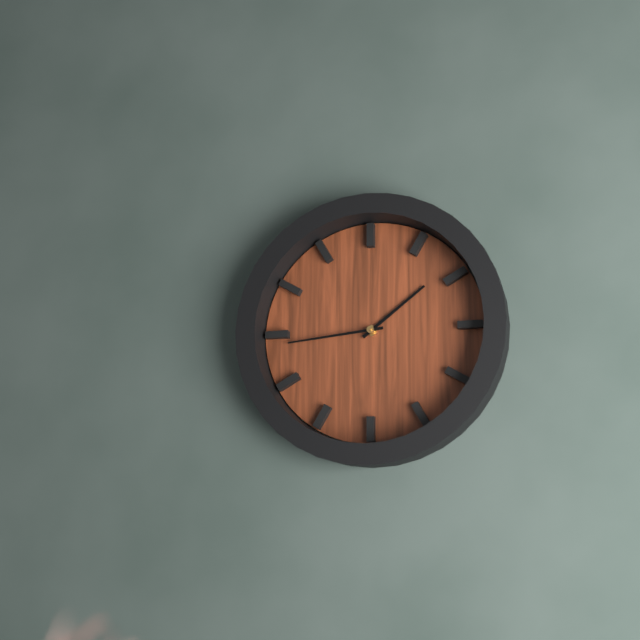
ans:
**1:44**
